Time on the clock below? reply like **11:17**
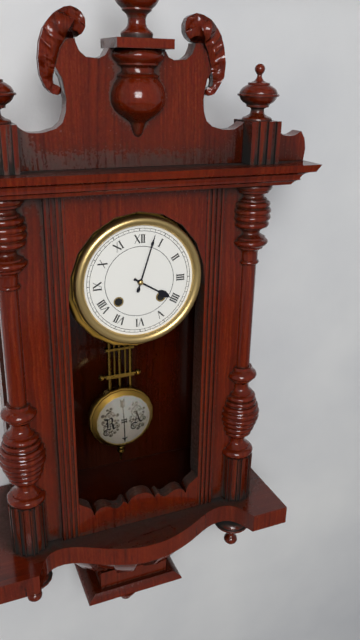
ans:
**4:03**
